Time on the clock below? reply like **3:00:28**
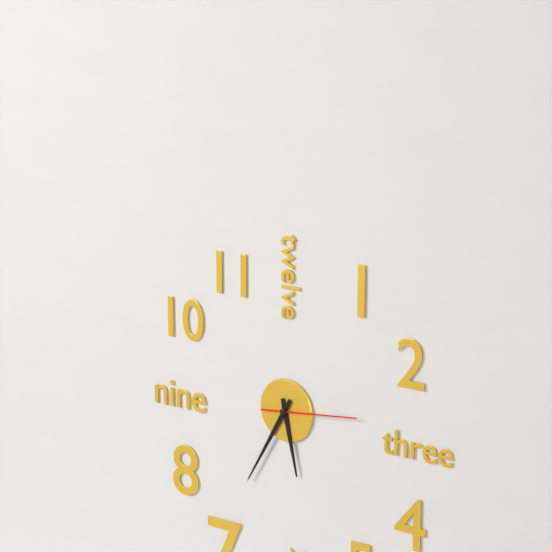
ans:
**5:35:14**
